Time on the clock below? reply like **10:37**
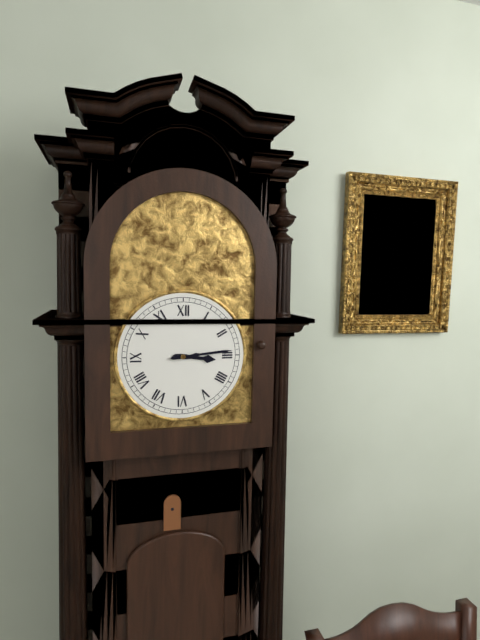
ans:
**3:14**
